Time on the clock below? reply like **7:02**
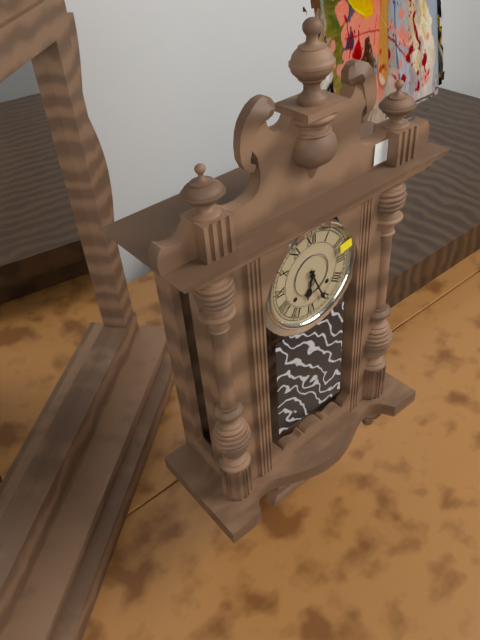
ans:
**6:26**
